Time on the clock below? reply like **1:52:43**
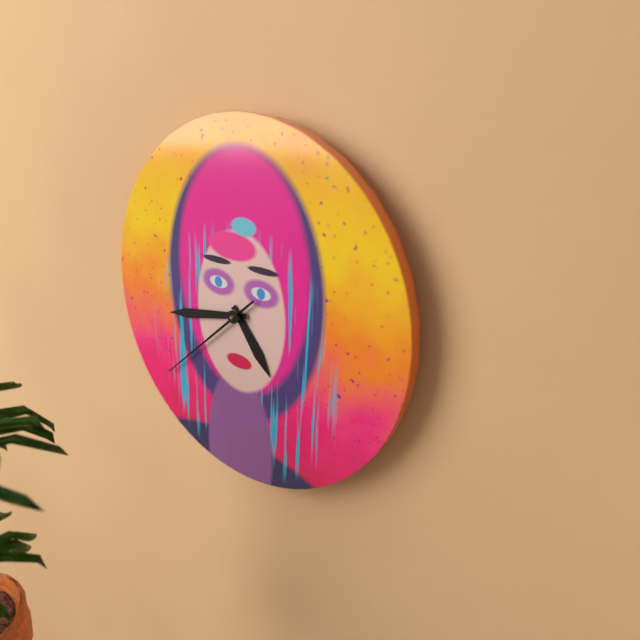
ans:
**4:43:38**
